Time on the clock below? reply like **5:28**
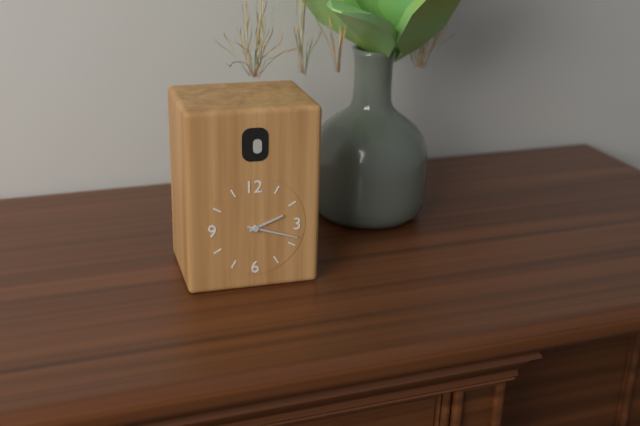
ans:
**2:18**
